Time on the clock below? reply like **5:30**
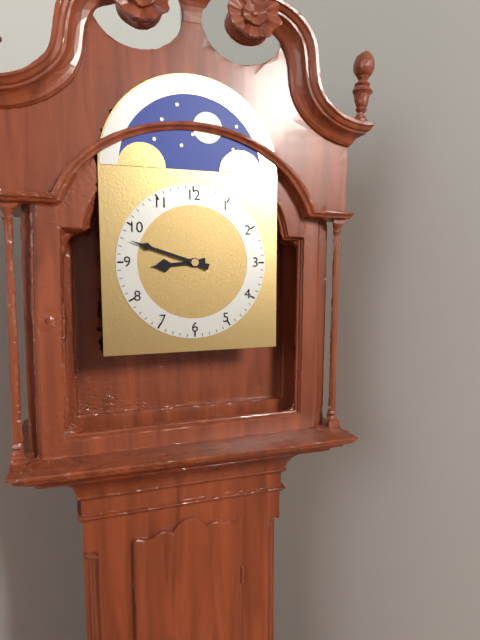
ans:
**8:48**
